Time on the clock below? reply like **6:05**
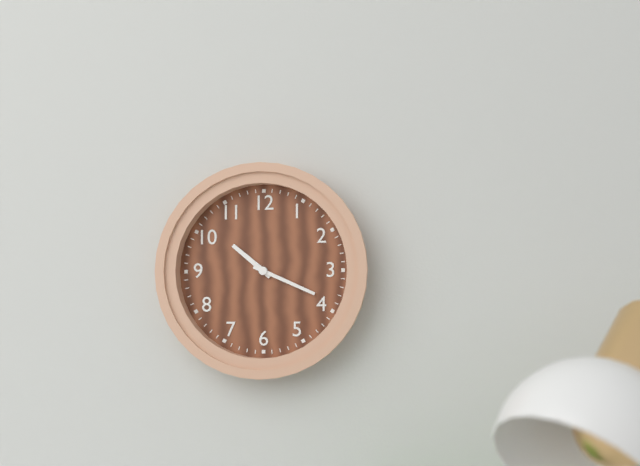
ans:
**10:19**
